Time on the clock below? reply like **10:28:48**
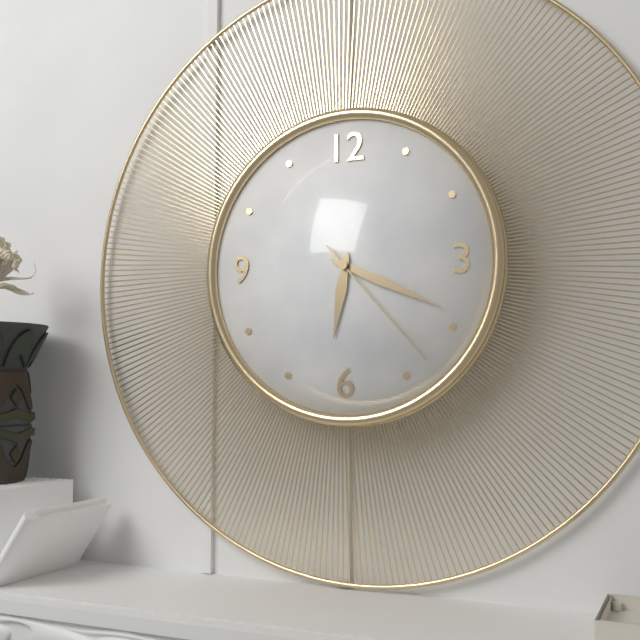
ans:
**6:19:23**
